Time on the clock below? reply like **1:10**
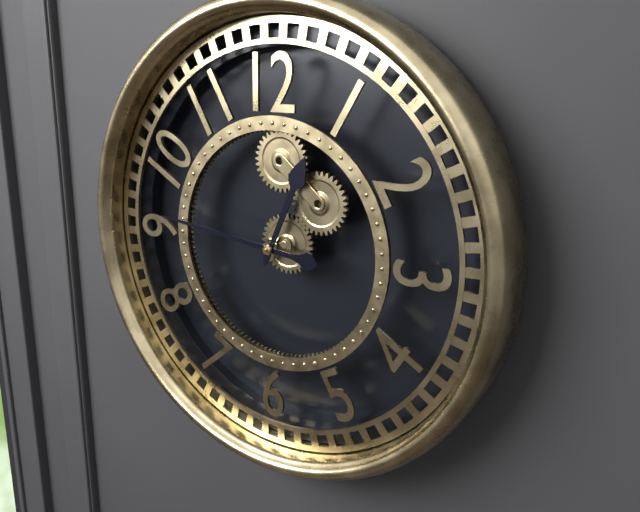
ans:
**12:46**
